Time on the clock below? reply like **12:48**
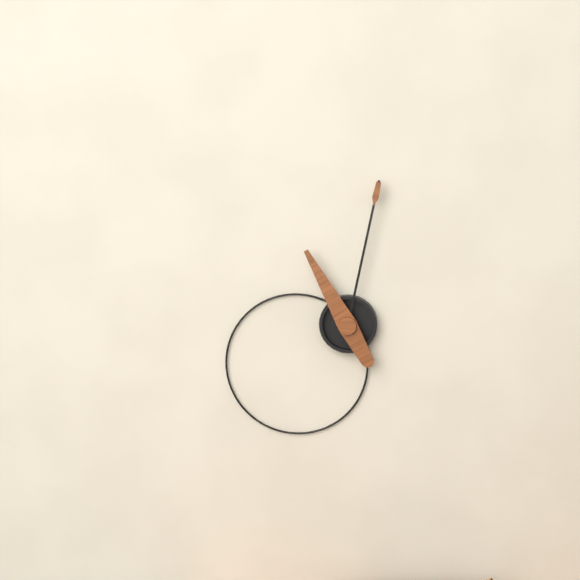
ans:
**11:02**
